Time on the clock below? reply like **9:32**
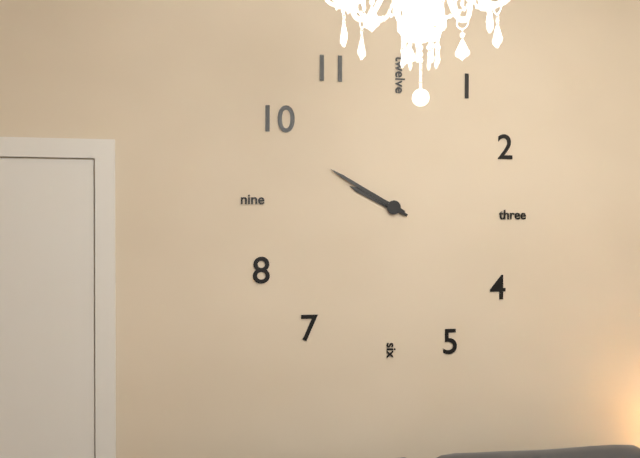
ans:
**9:50**
